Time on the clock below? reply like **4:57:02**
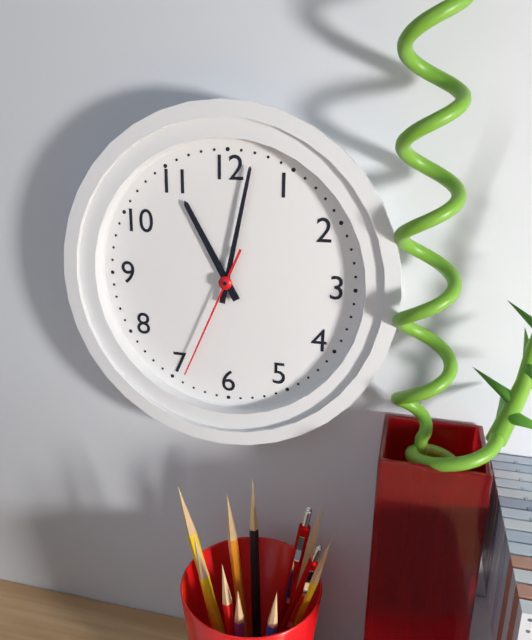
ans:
**11:02:34**
